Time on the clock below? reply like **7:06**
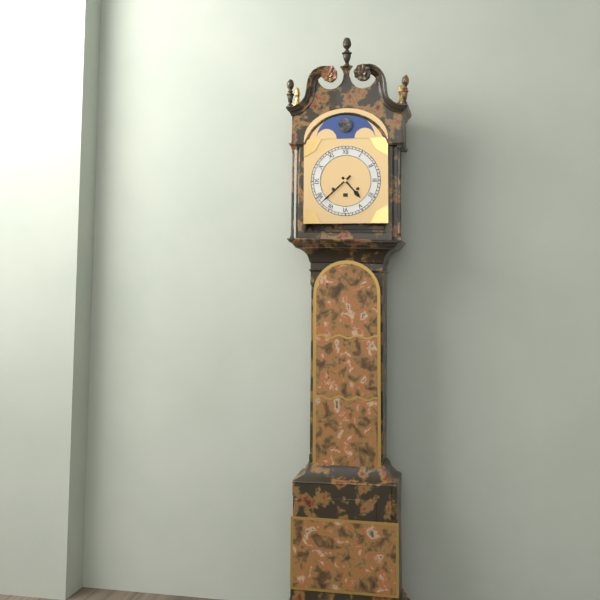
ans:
**4:38**
